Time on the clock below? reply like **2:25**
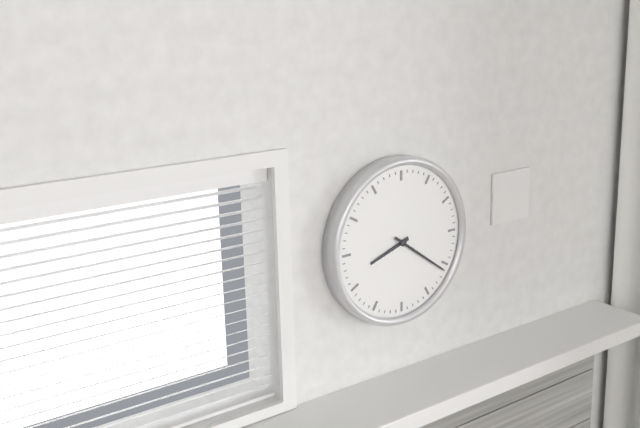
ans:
**8:21**
